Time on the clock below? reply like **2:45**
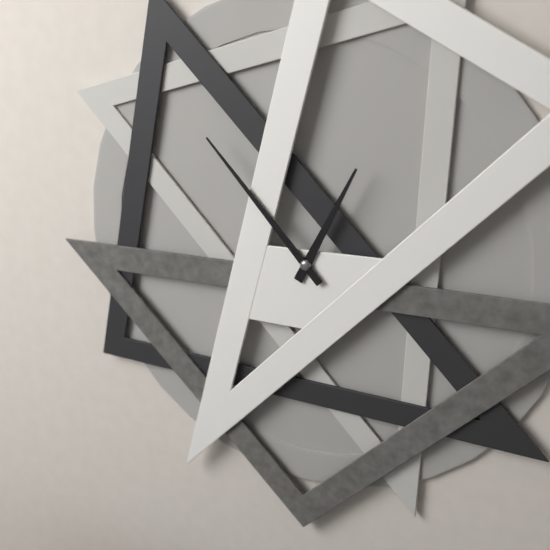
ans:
**12:53**
